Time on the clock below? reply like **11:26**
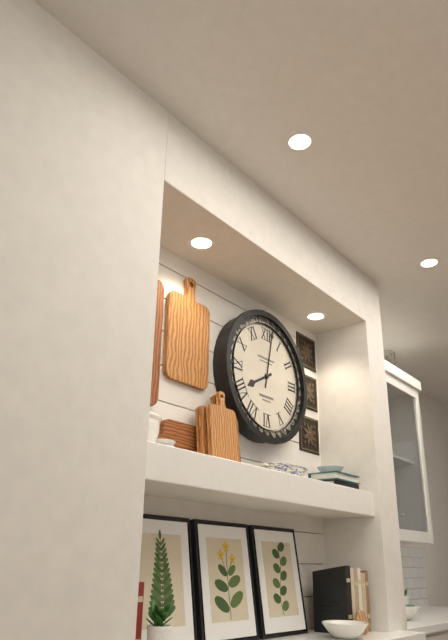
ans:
**8:02**
